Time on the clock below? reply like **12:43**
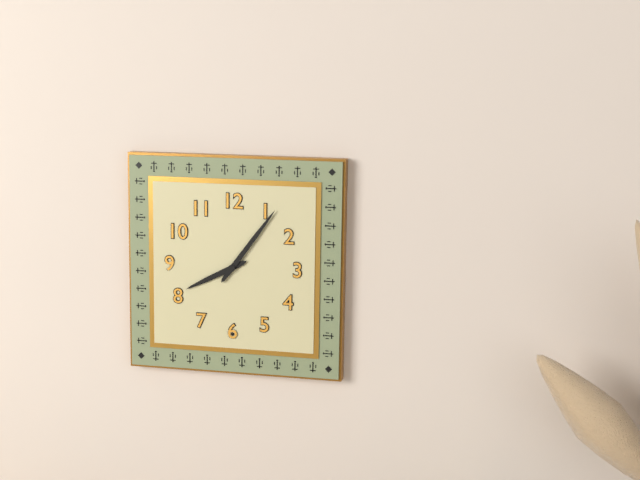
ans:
**8:06**
